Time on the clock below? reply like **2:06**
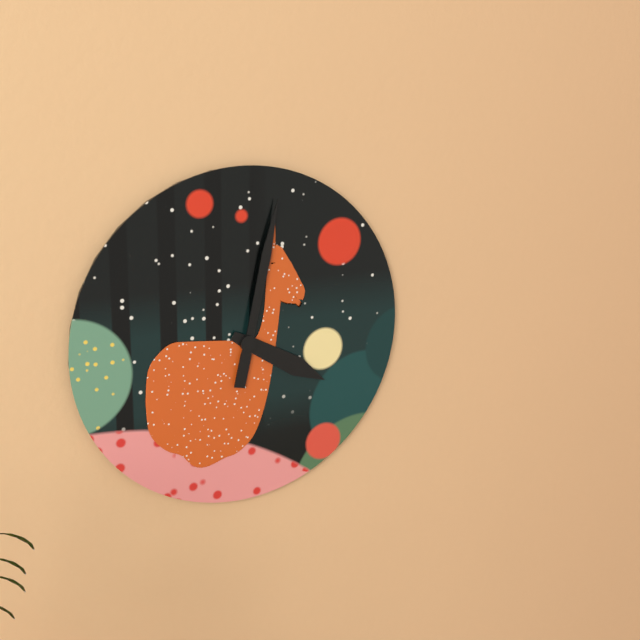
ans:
**4:02**
